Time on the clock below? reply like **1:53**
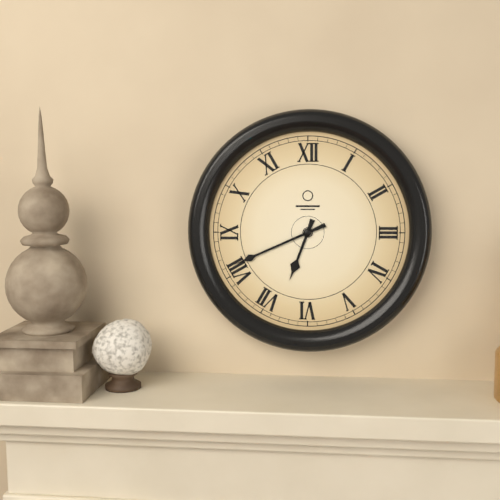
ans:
**6:41**
